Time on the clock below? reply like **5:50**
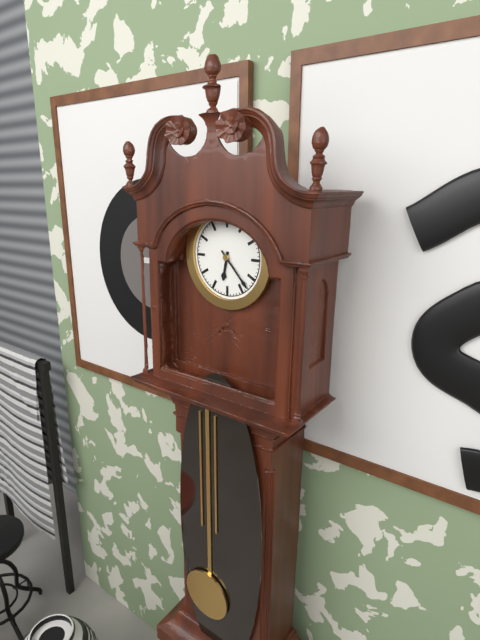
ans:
**6:23**
